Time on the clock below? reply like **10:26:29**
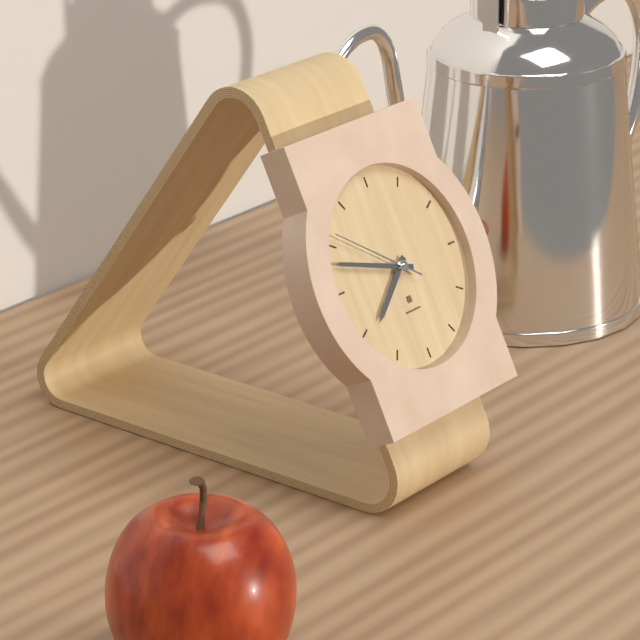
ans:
**7:48:51**
